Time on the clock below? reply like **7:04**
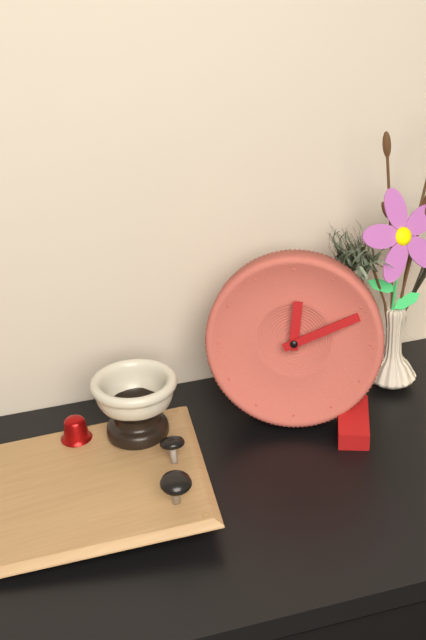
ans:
**12:11**
